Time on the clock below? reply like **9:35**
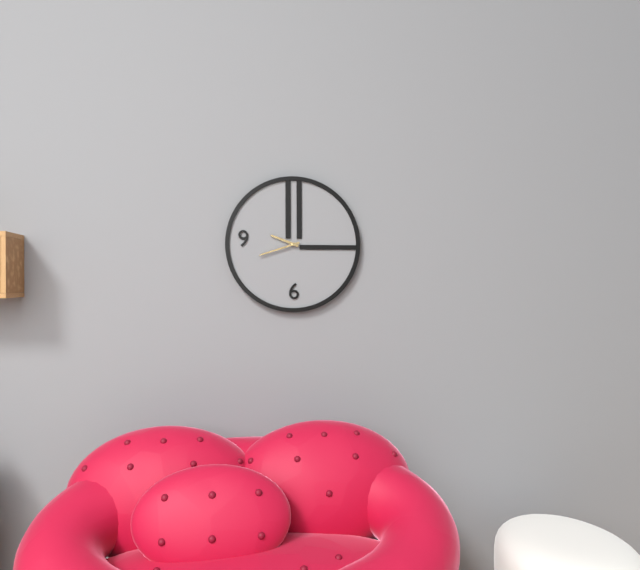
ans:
**9:42**
